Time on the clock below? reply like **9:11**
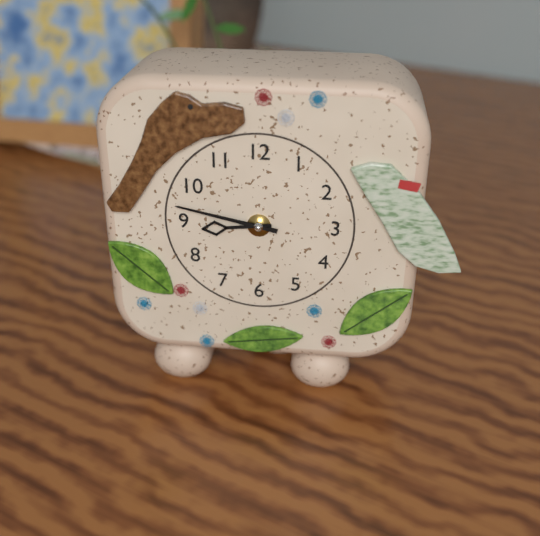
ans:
**8:47**
